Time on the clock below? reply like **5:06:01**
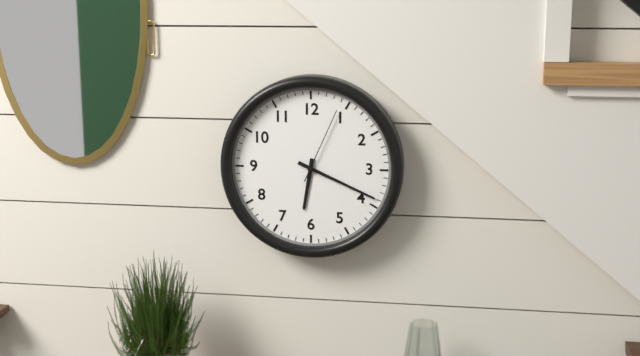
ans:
**6:19:04**
